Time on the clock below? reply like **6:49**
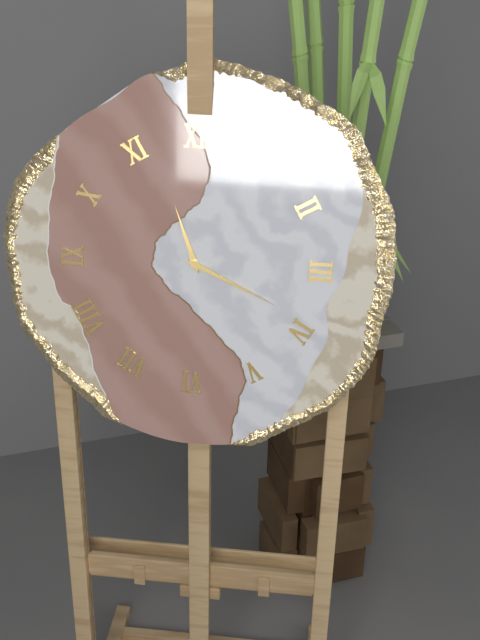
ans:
**11:19**
